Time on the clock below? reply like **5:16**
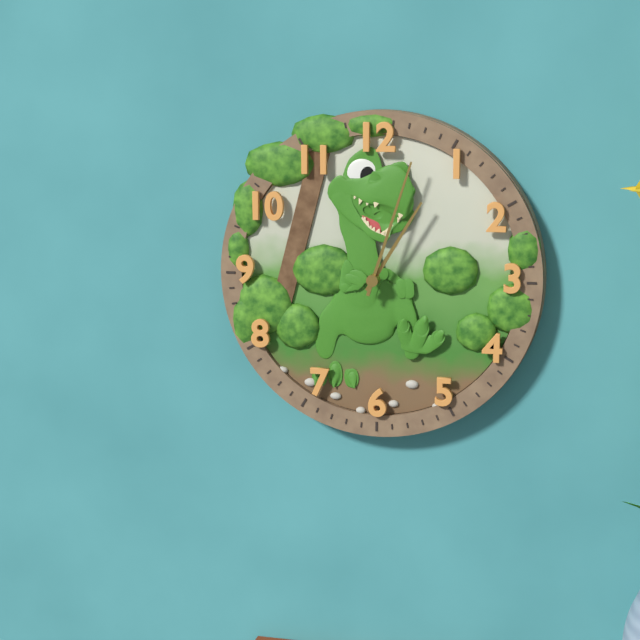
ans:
**1:03**
